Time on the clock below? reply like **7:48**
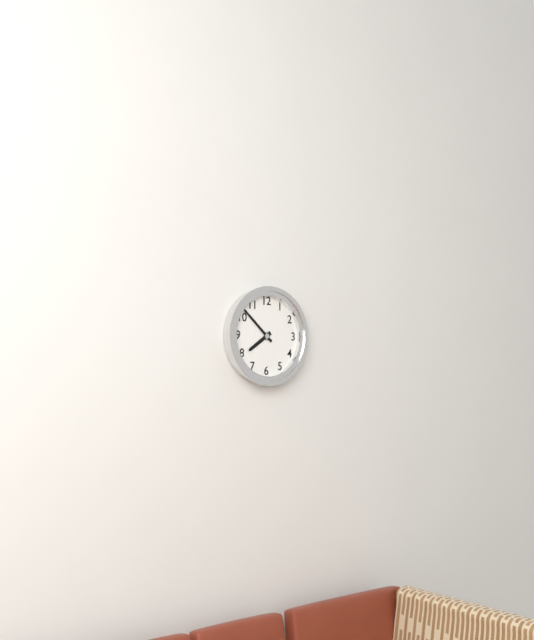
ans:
**7:52**
